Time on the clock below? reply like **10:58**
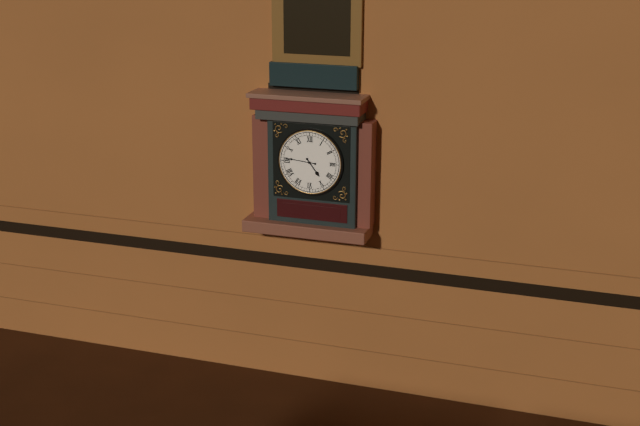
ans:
**4:46**
